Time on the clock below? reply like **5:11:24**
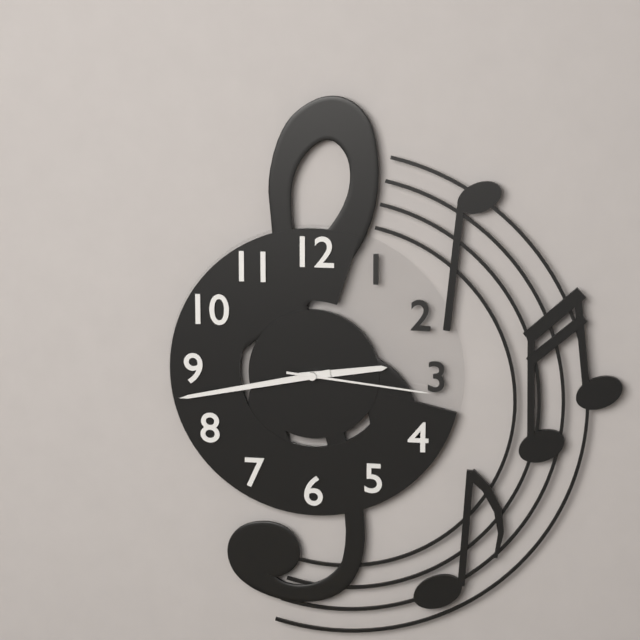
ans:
**2:43:16**
